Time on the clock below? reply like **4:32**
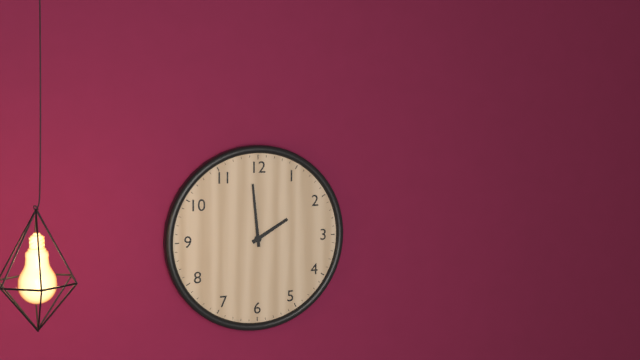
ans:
**1:59**
